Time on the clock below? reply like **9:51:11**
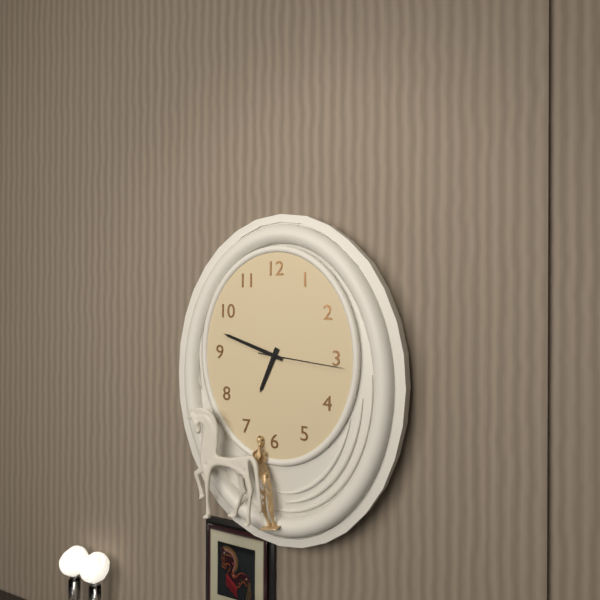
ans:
**6:48:16**
